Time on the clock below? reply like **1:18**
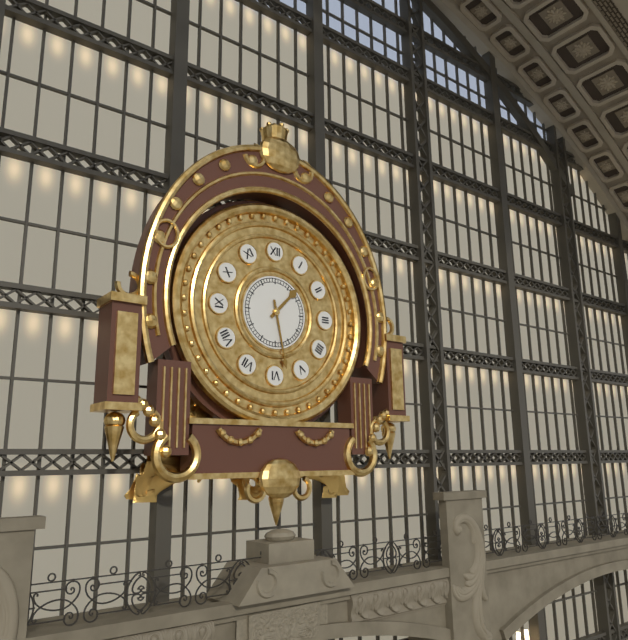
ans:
**1:28**
